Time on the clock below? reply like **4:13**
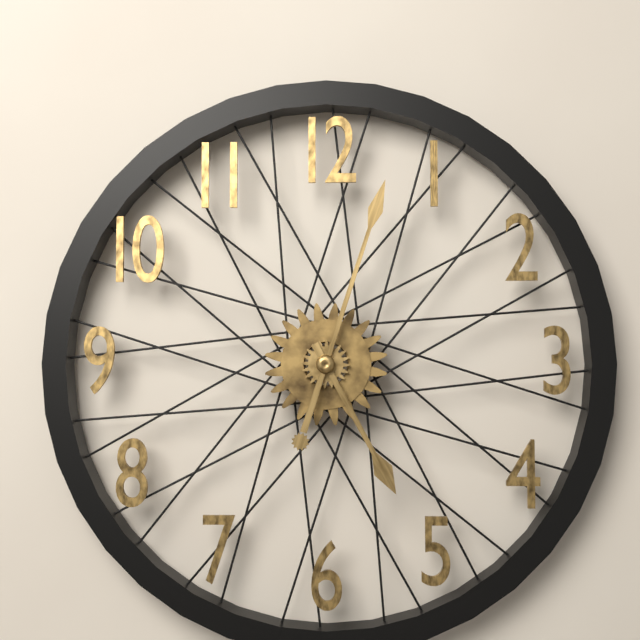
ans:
**5:03**
